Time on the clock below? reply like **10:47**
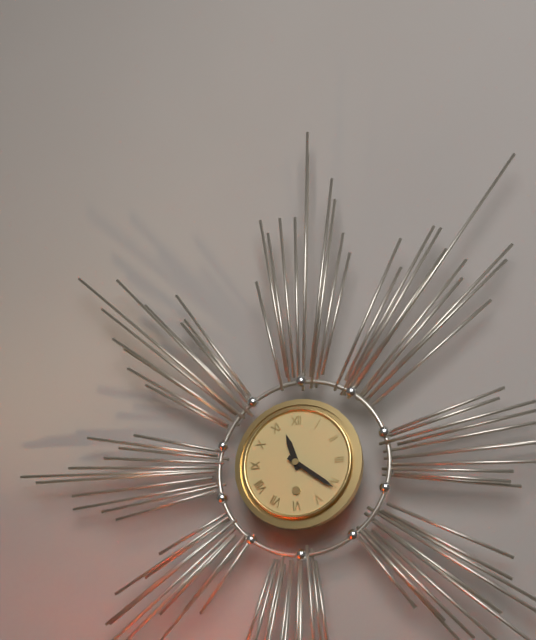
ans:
**11:21**
